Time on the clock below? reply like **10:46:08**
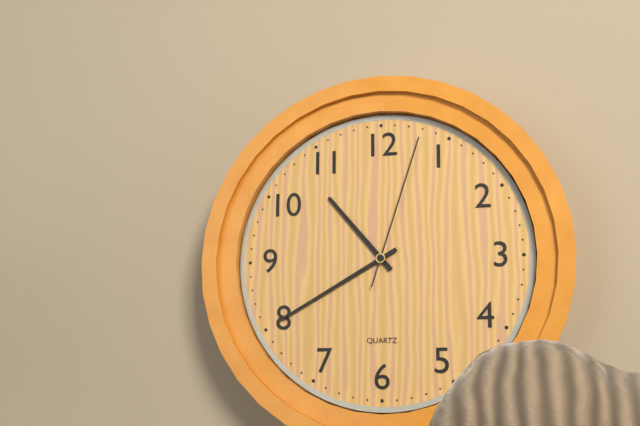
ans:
**10:40:03**
